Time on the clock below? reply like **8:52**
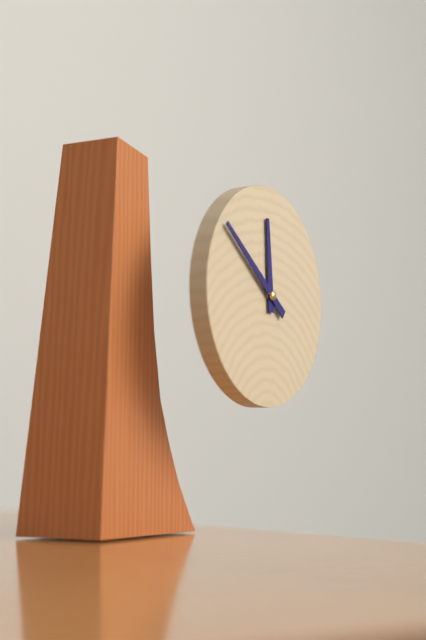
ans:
**11:51**
